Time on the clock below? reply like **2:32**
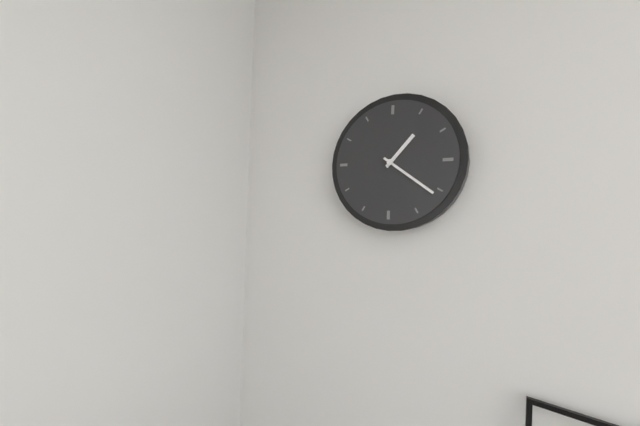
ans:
**1:21**
